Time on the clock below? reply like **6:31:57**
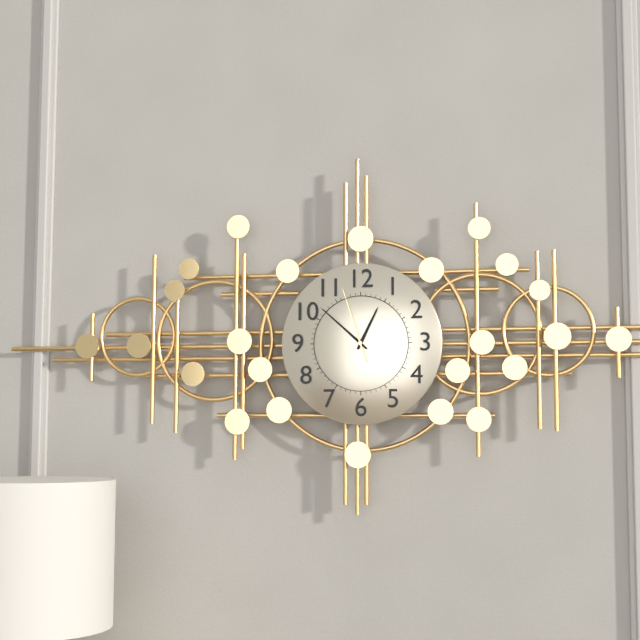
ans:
**12:52:57**
